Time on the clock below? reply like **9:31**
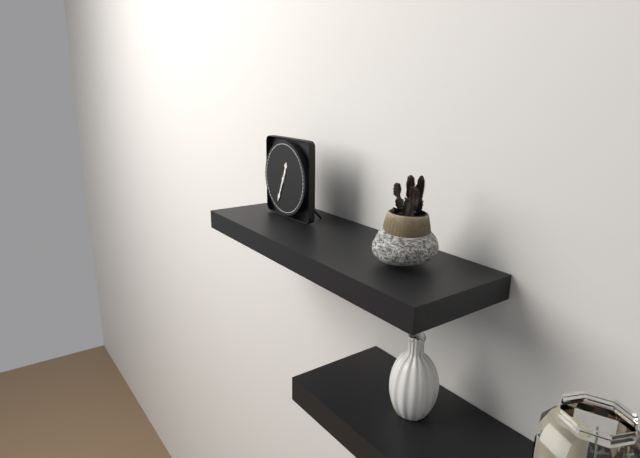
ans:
**12:34**
